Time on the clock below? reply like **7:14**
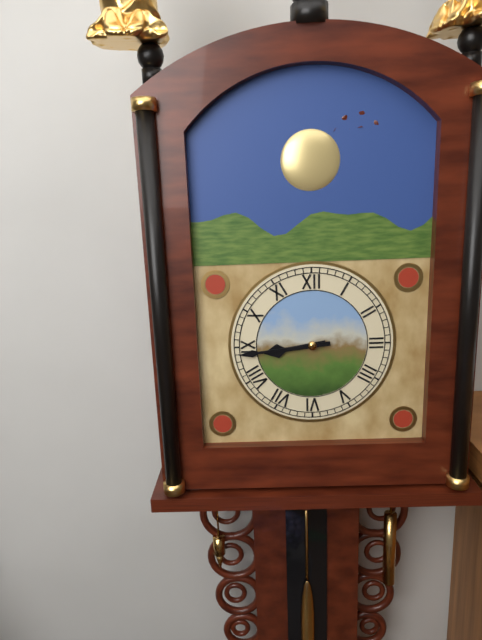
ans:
**8:44**
